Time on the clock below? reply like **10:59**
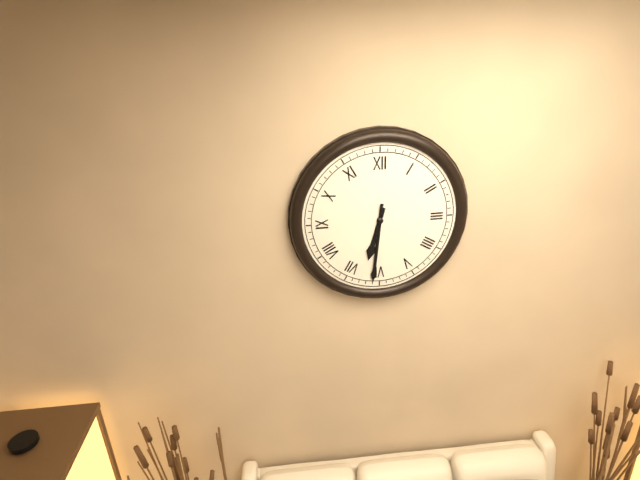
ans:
**6:31**
